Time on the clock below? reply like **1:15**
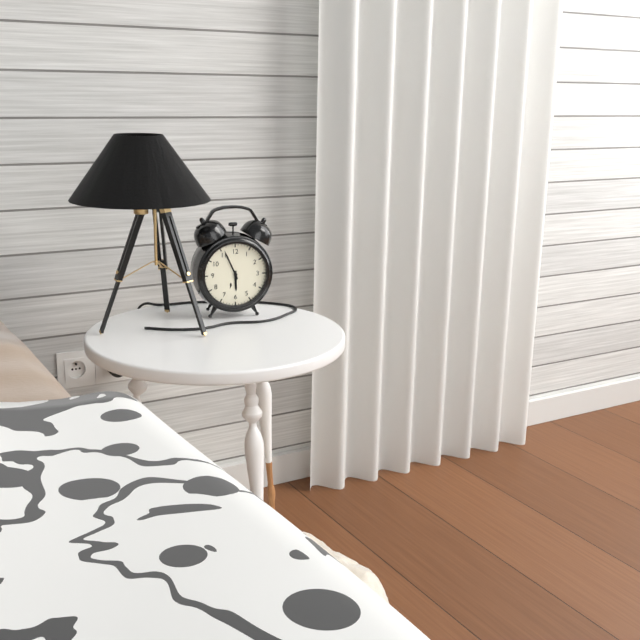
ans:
**5:56**
